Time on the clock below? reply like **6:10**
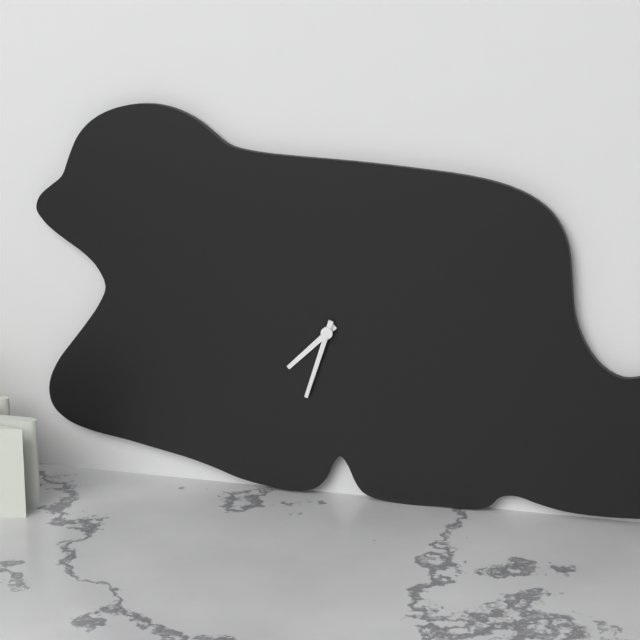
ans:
**7:33**
